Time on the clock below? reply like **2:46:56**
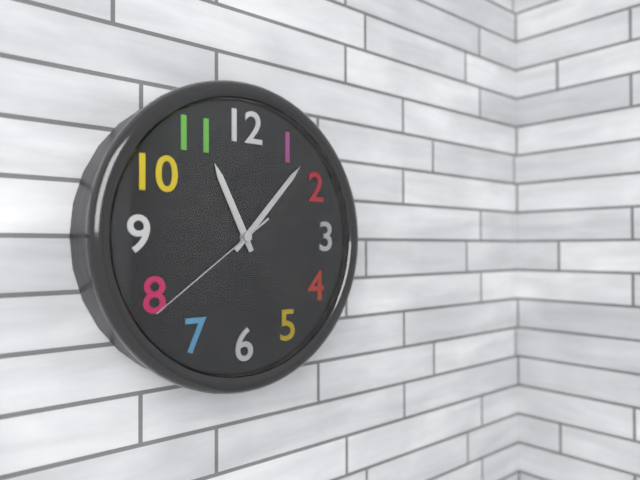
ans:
**11:07:39**
